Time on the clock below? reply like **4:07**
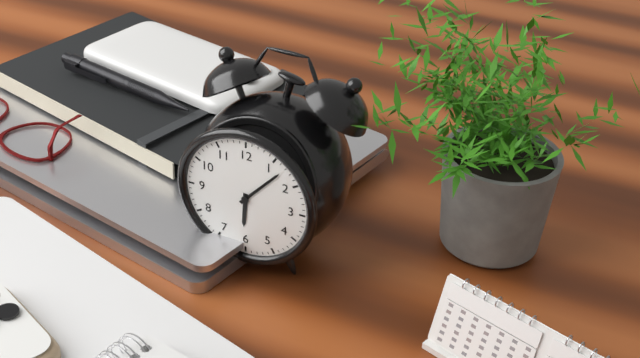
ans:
**6:07**
